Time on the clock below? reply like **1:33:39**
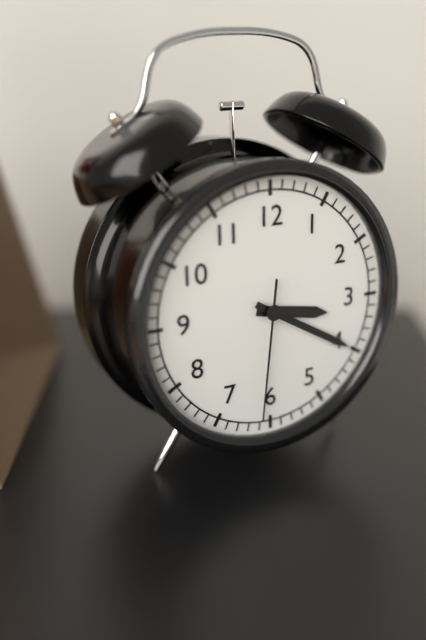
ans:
**3:20:31**
